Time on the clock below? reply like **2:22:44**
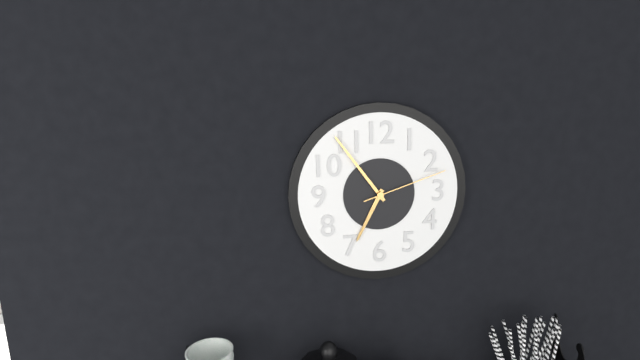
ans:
**6:54:12**
